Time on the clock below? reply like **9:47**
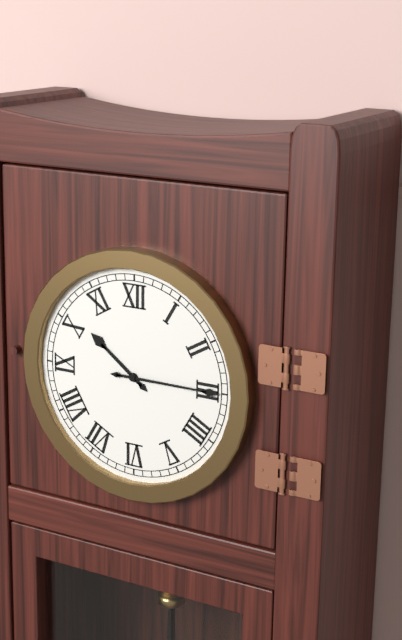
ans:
**10:15**
